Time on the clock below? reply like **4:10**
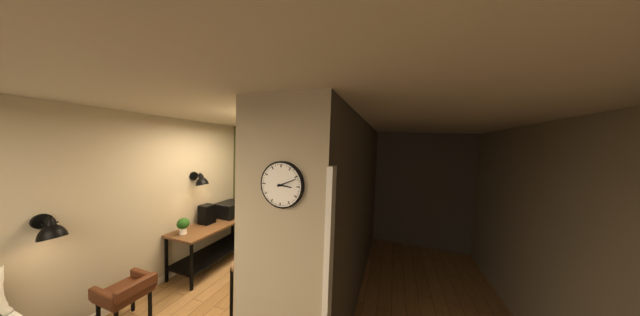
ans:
**3:11**
